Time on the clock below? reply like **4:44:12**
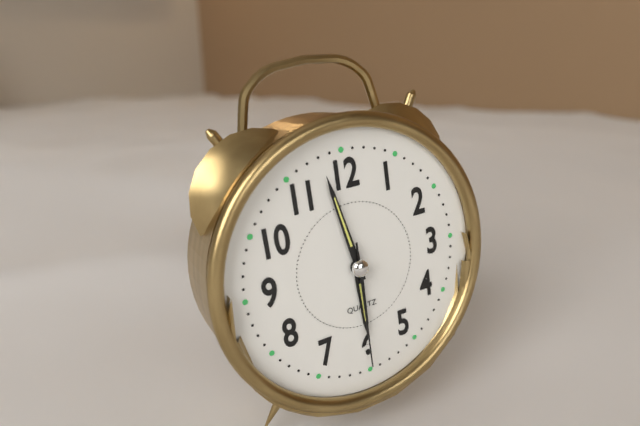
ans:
**5:58:30**
